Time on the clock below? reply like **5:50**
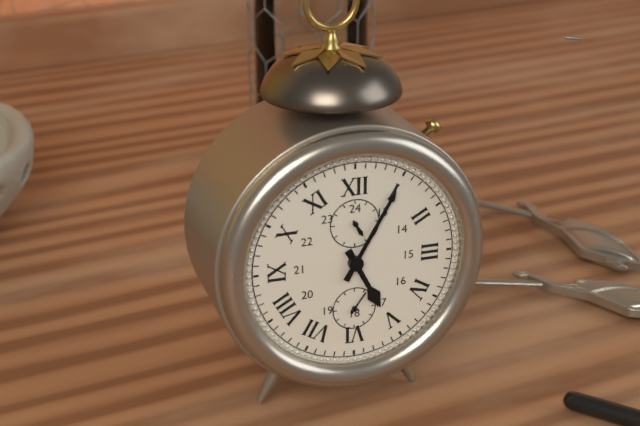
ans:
**5:05**
